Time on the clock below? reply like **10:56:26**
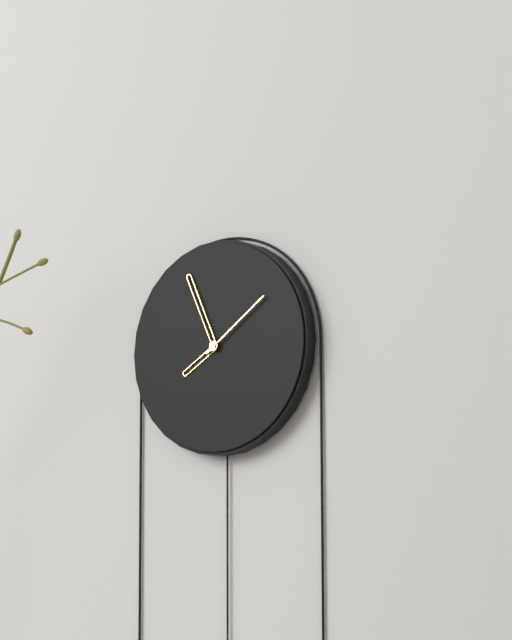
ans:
**7:56:09**
